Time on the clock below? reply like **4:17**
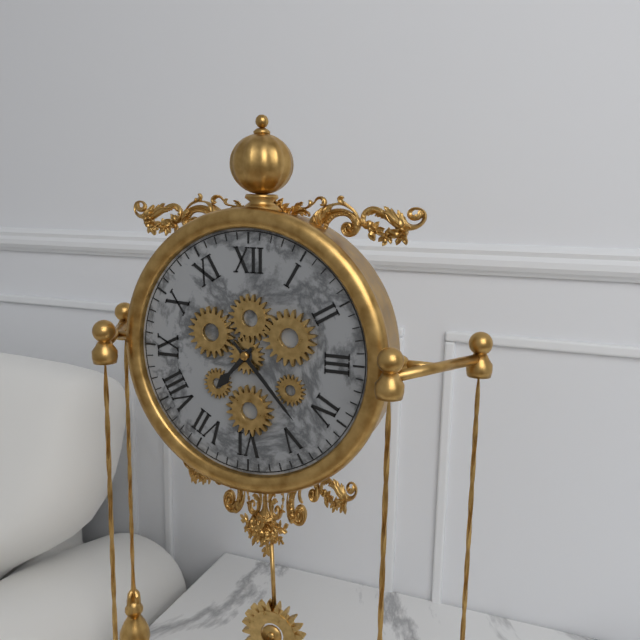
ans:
**7:23**
